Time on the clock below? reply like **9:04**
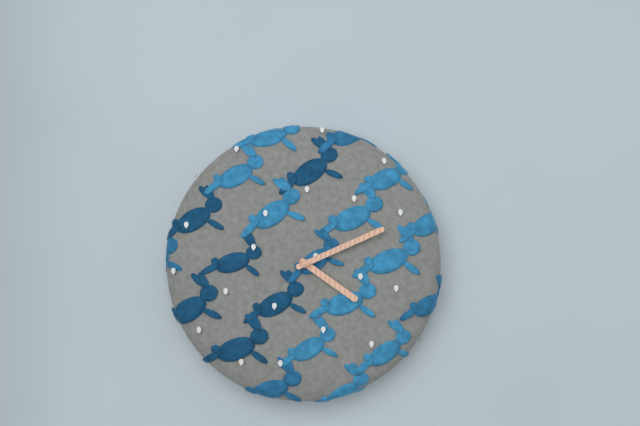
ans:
**4:11**
